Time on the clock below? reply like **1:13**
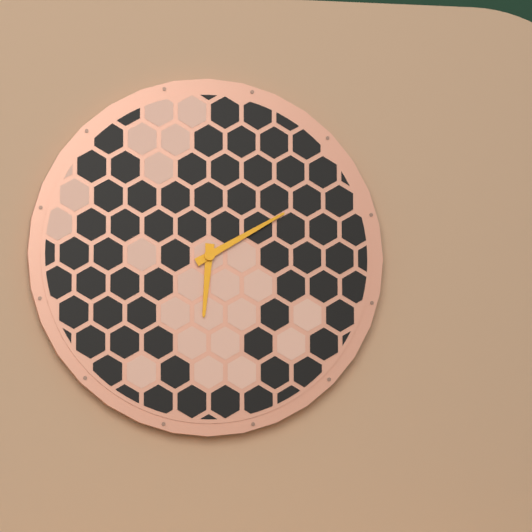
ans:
**6:10**
